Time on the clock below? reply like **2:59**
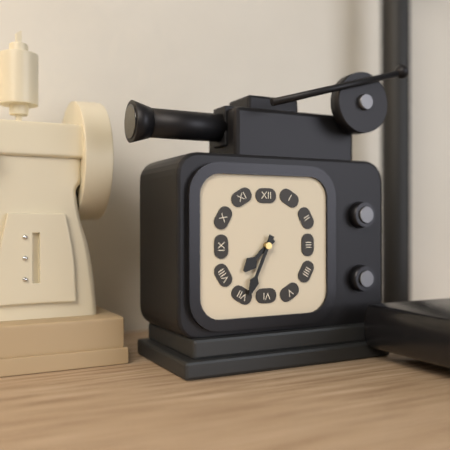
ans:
**7:34**
